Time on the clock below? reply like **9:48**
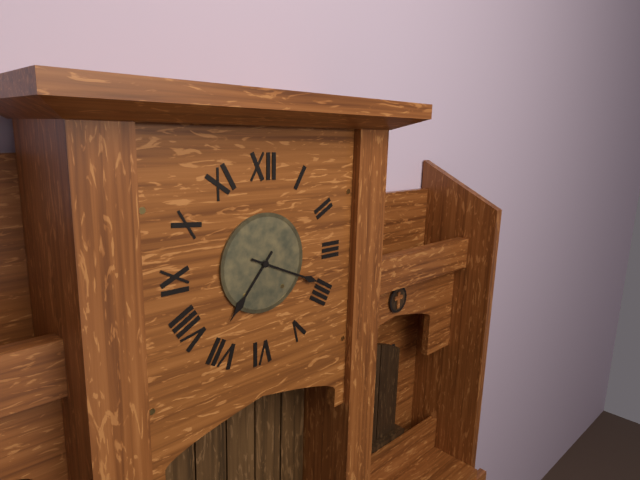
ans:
**7:19**
